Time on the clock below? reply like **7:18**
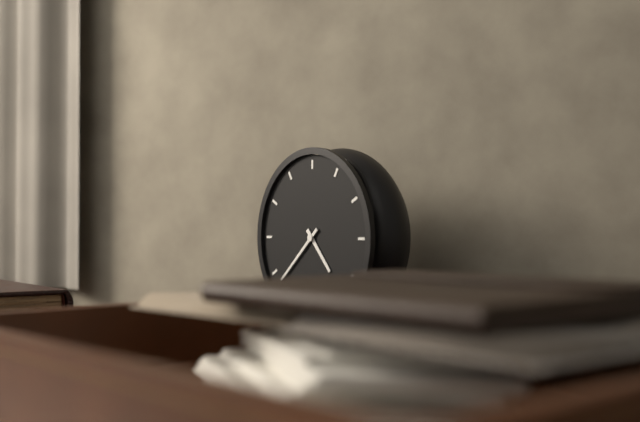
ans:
**4:38**
